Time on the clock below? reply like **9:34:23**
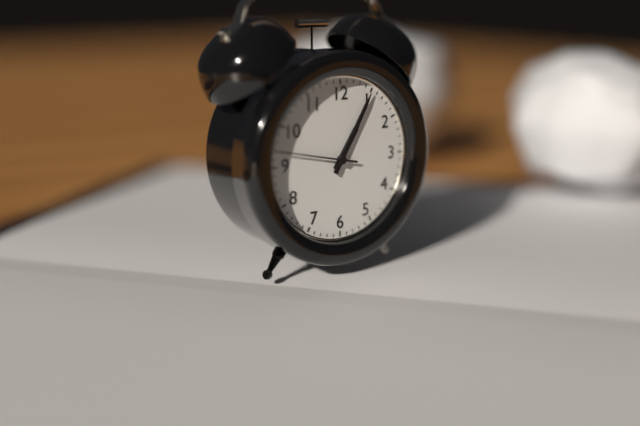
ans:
**1:05:47**
